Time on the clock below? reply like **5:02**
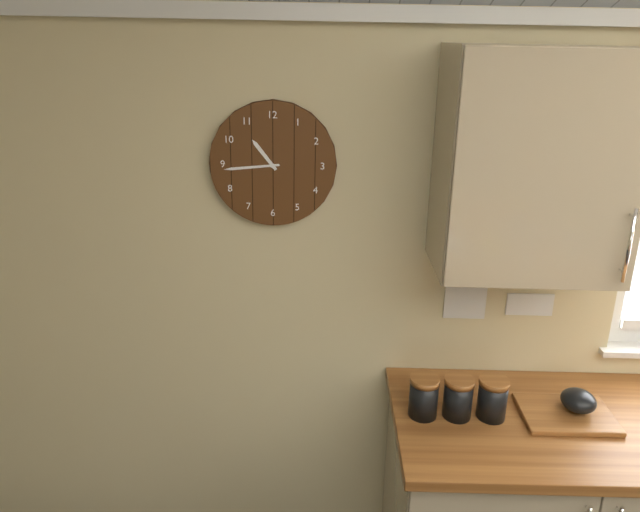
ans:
**10:44**
